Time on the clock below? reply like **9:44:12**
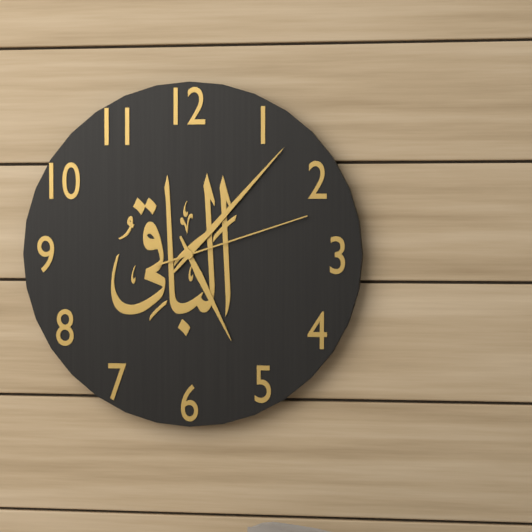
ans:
**5:07:12**
